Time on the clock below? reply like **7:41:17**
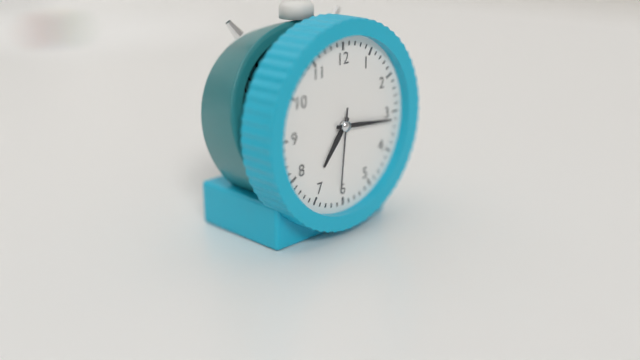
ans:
**7:16:31**
